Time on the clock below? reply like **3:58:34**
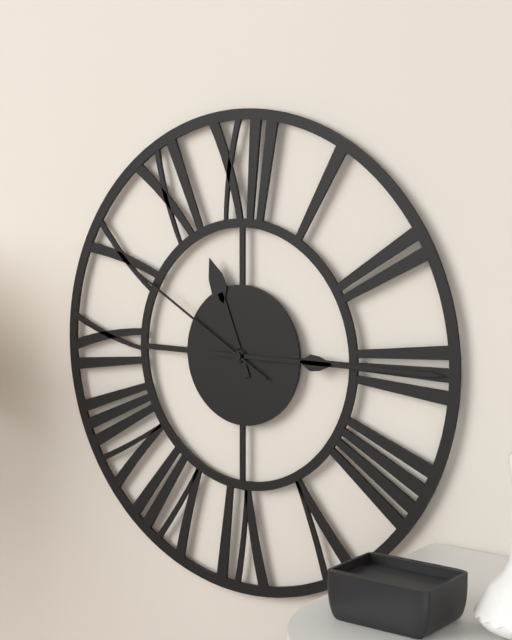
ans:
**11:15:50**
